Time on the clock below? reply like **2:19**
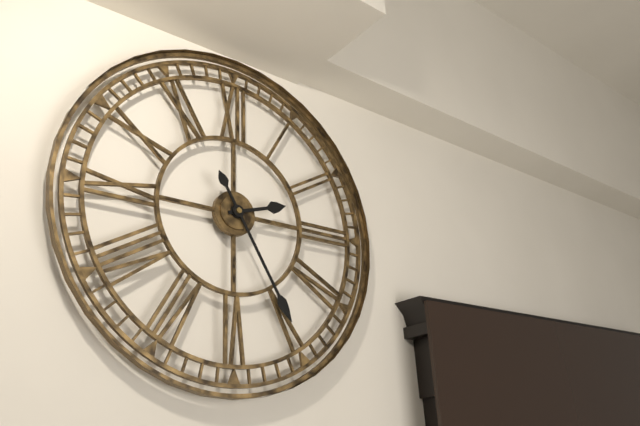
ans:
**2:25**
